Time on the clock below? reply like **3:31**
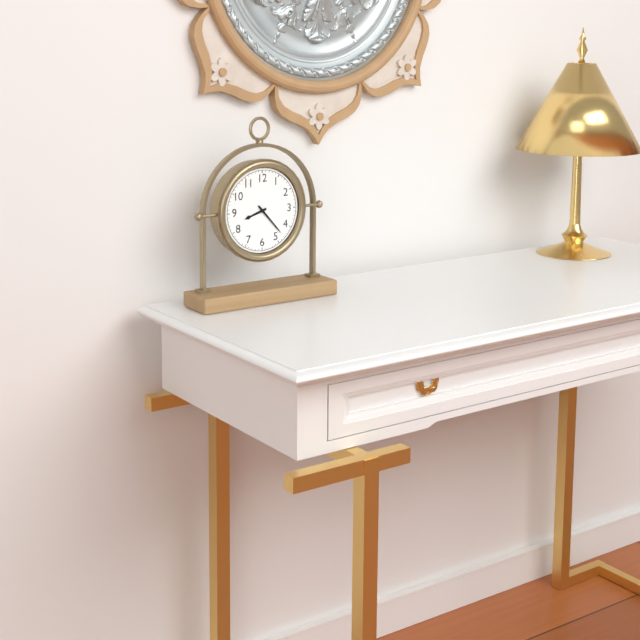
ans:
**8:23**
